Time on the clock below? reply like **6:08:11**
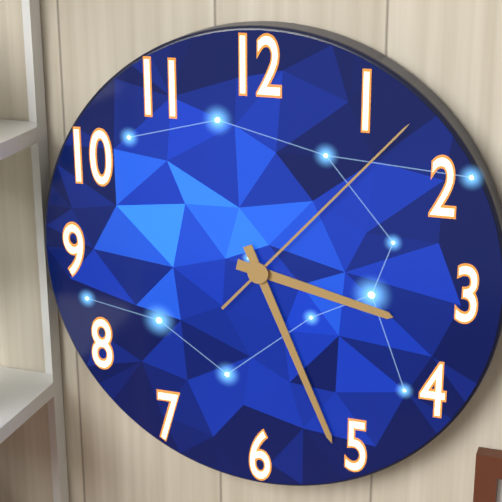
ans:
**3:26:07**
